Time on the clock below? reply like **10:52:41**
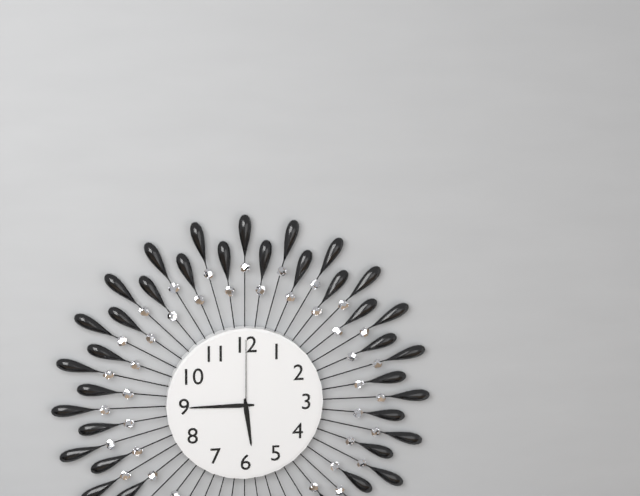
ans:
**5:45:00**
